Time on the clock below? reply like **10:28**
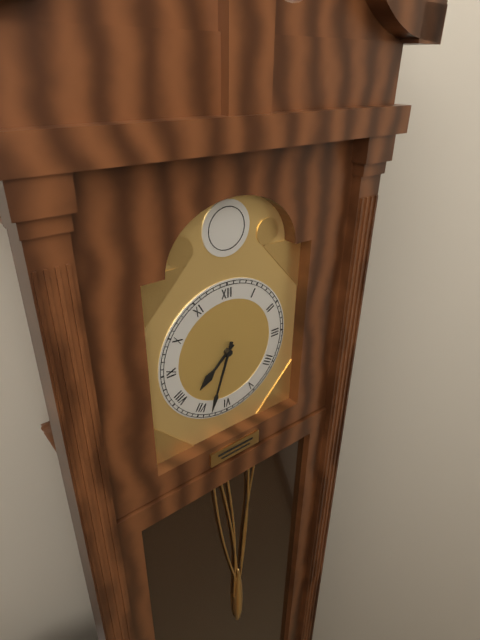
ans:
**7:33**
